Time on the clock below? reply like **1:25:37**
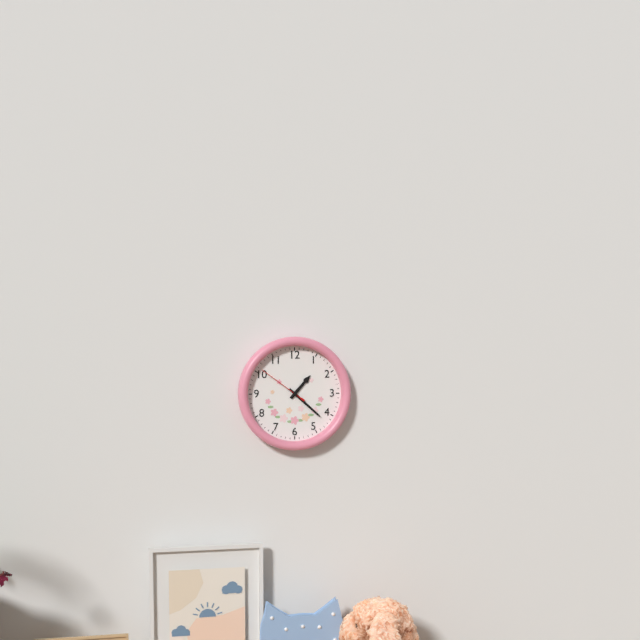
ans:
**1:22:51**
